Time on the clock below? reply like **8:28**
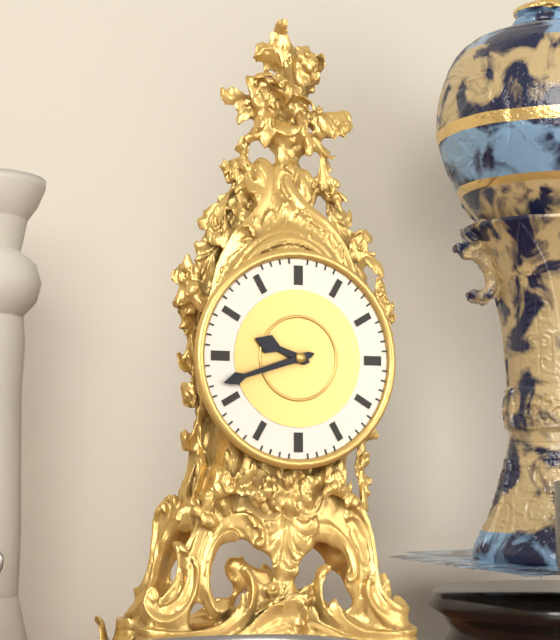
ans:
**9:42**
